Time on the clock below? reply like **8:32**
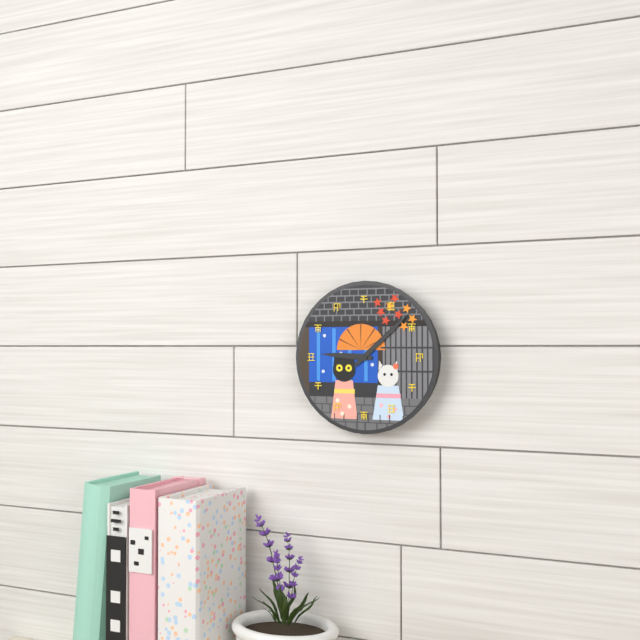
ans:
**9:08**
